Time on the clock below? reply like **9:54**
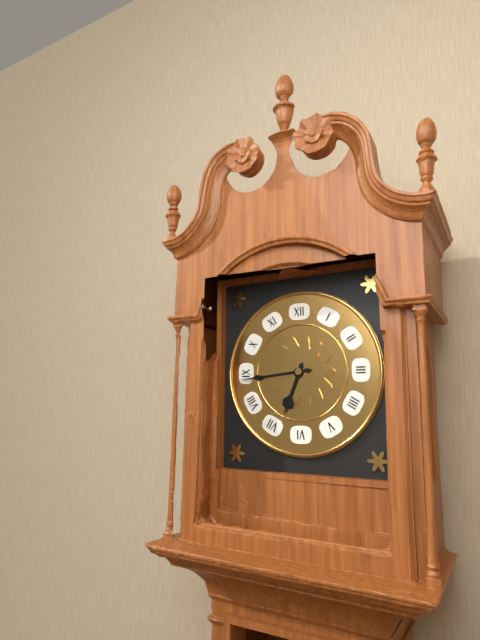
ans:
**6:44**
